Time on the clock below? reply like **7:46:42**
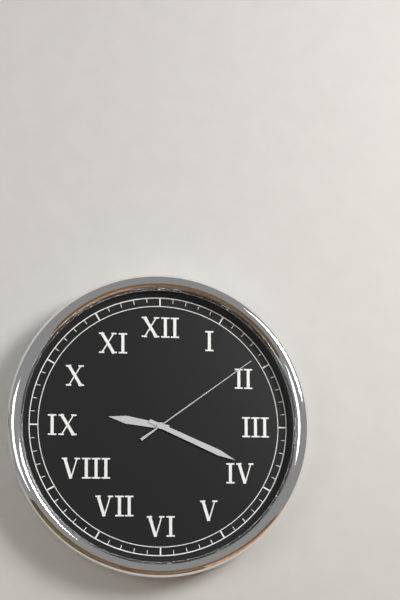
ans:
**9:19:09**
